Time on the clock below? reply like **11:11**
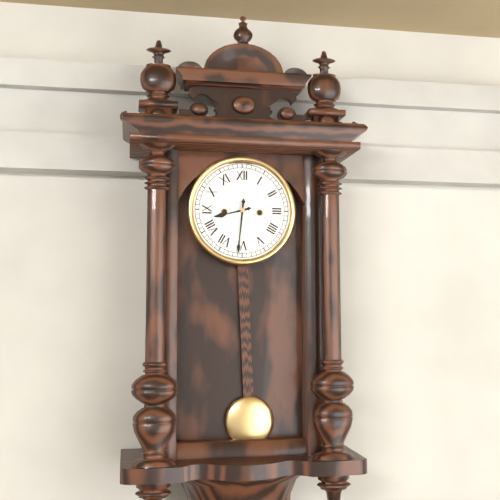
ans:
**8:31**
